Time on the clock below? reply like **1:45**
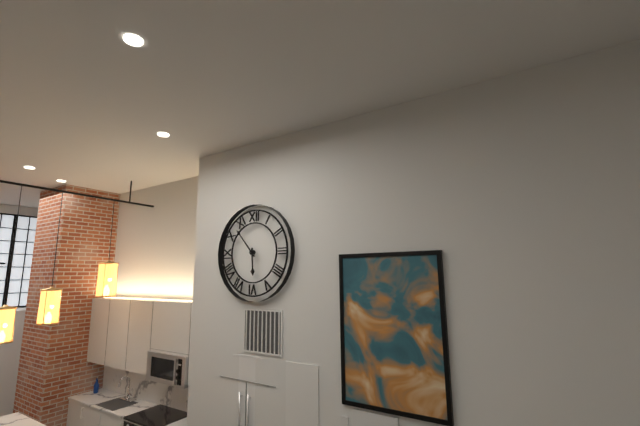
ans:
**5:53**
